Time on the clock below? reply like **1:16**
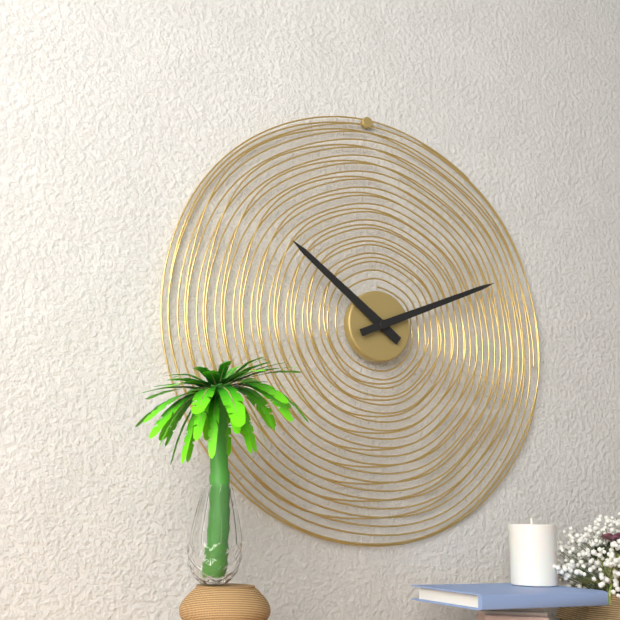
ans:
**10:11**
